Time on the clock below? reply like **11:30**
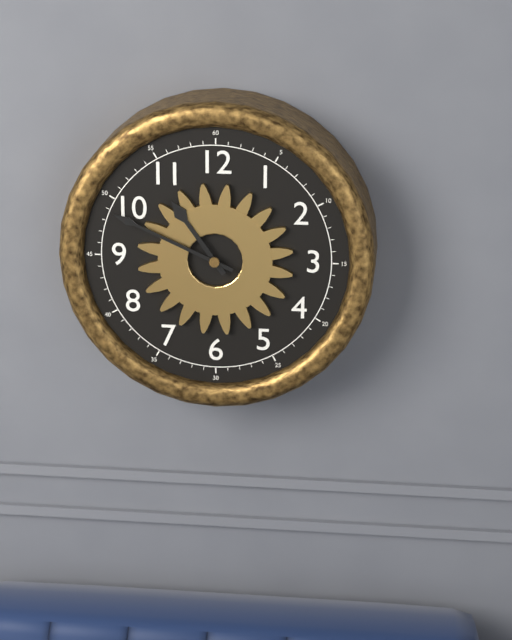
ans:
**10:49**
